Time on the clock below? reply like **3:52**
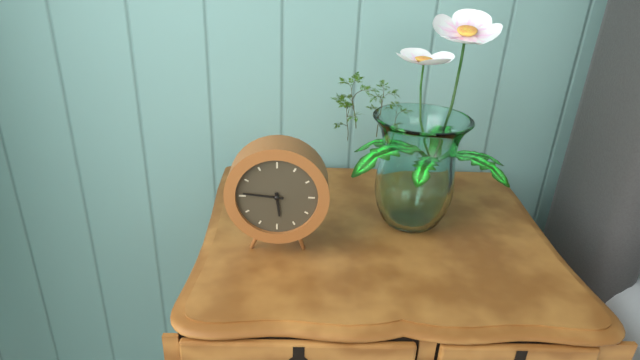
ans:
**5:46**
